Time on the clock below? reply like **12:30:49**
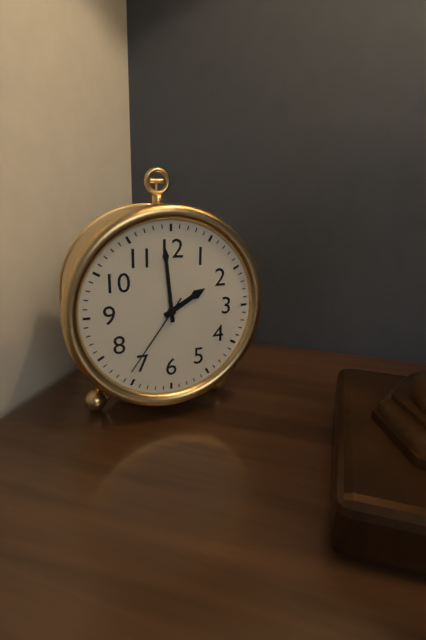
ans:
**1:59:36**
